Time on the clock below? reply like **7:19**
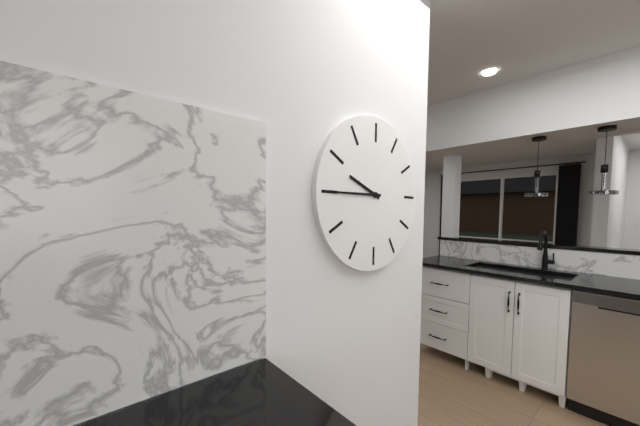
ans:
**9:45**
